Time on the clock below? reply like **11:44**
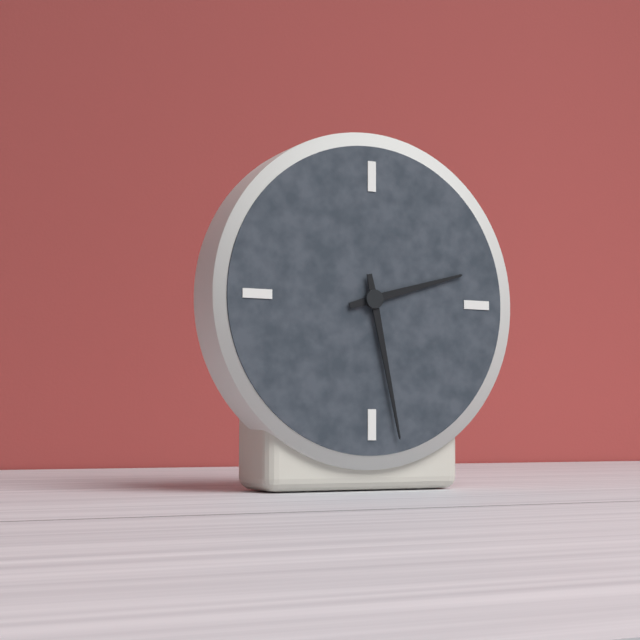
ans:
**2:28**
